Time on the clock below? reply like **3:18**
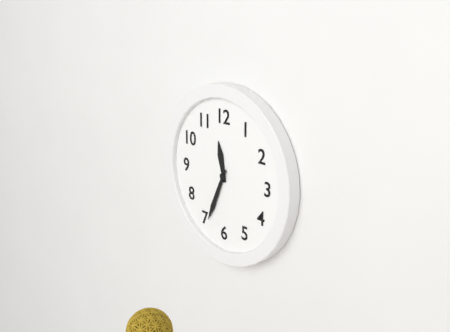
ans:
**11:34**
